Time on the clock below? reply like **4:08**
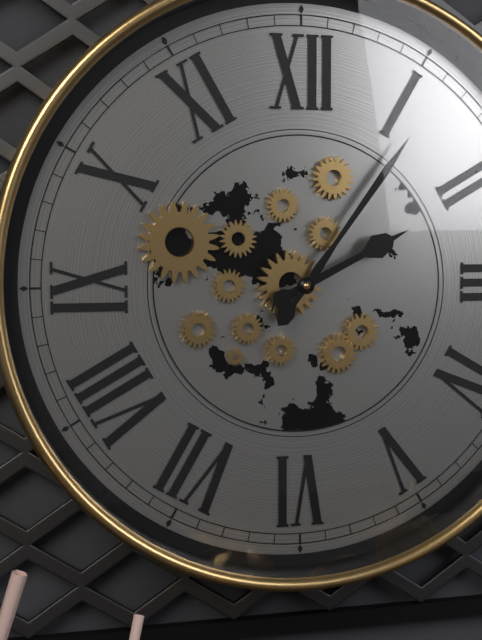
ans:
**2:06**
